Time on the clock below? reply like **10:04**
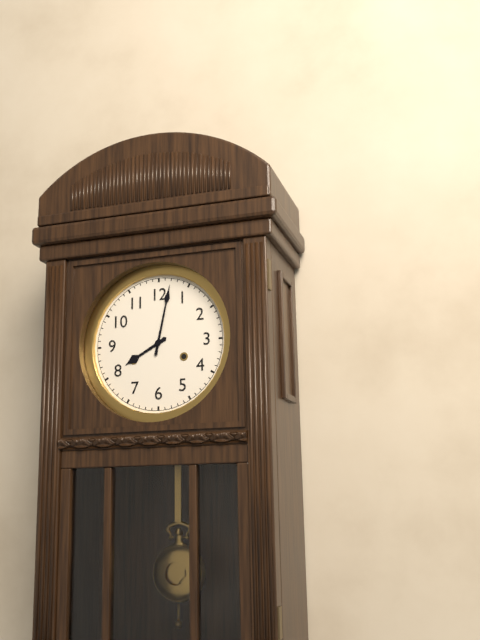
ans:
**8:02**
